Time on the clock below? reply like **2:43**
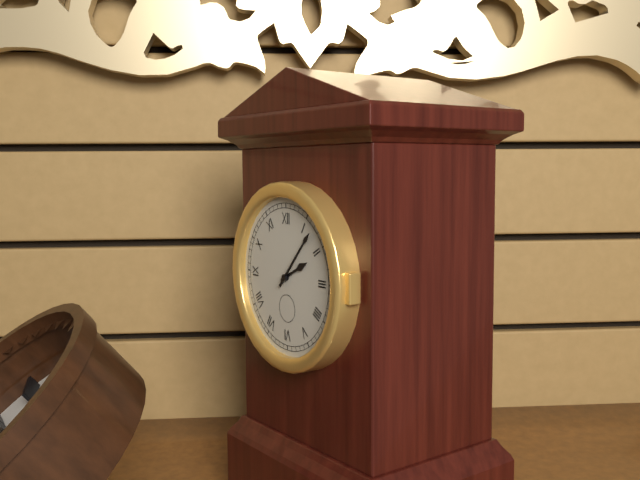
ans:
**2:07**
